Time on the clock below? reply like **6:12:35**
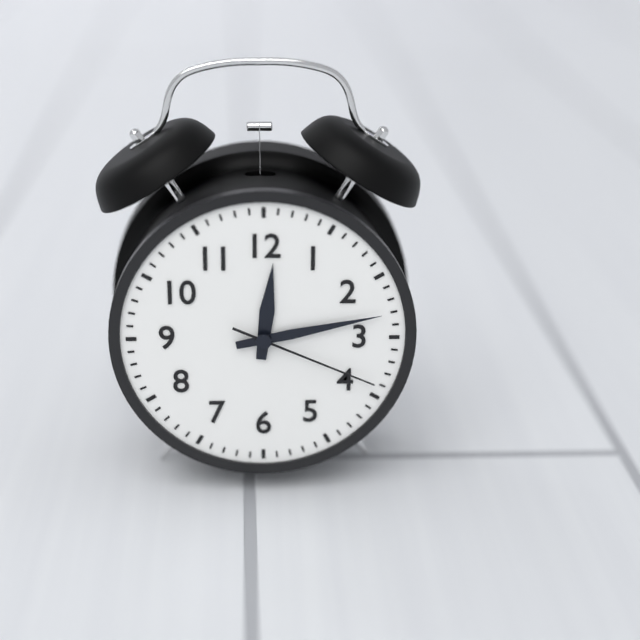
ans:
**12:13:19**
